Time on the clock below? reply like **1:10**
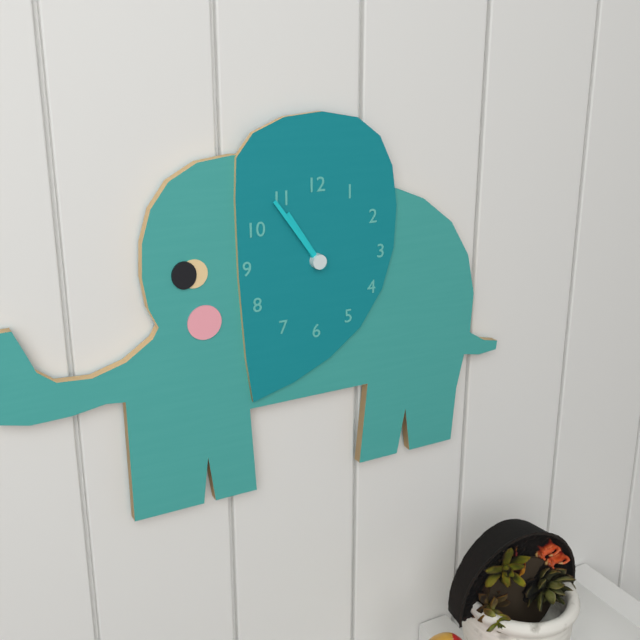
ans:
**10:54**
